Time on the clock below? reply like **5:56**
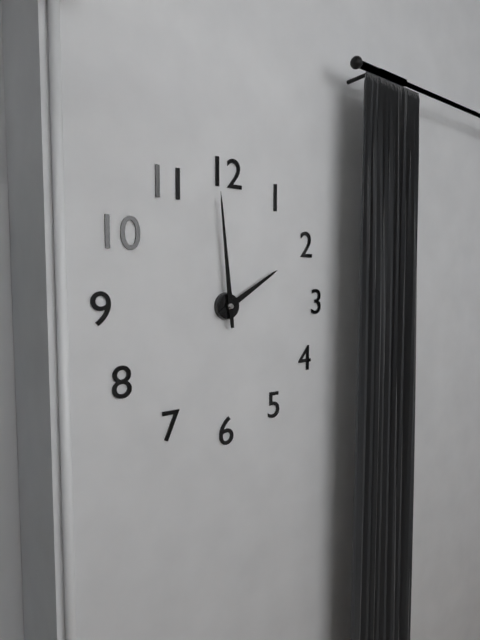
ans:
**1:59**
